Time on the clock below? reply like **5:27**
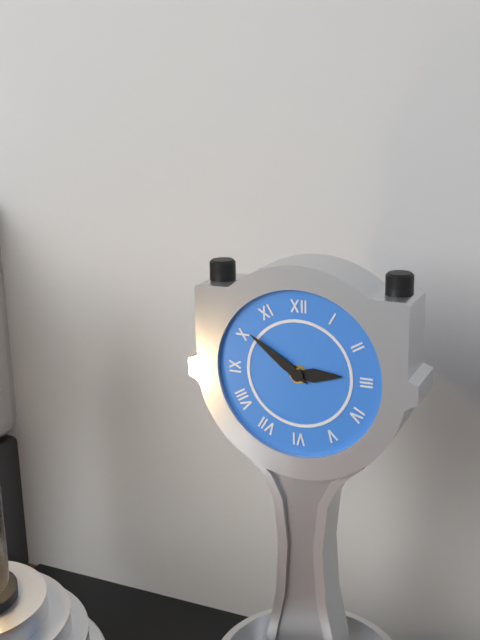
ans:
**2:51**
